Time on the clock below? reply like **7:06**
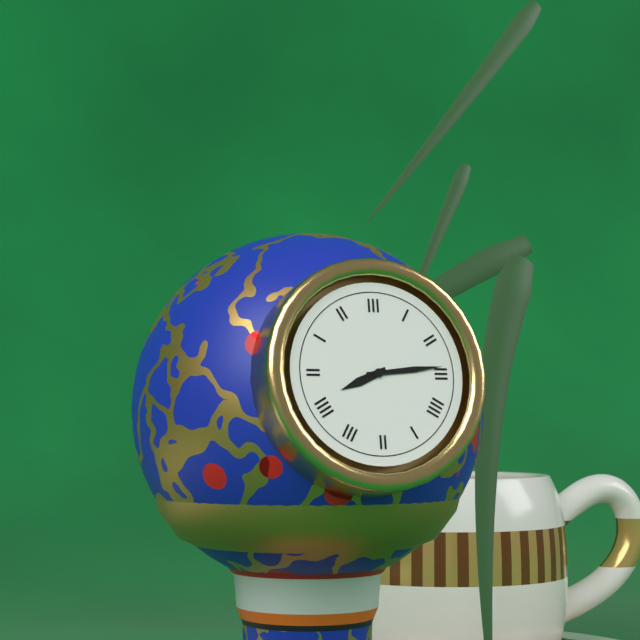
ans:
**8:14**
